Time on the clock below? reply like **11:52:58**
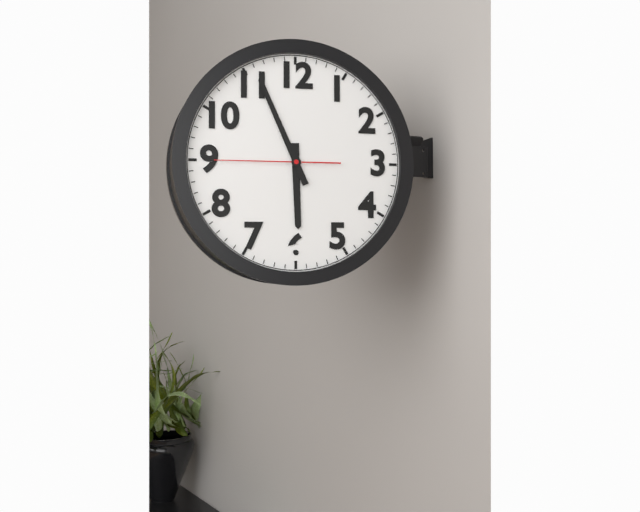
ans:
**5:56:45**
